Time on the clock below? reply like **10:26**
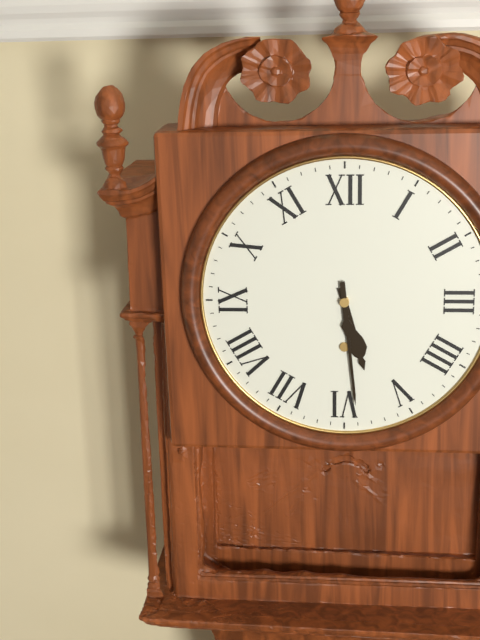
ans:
**5:29**
